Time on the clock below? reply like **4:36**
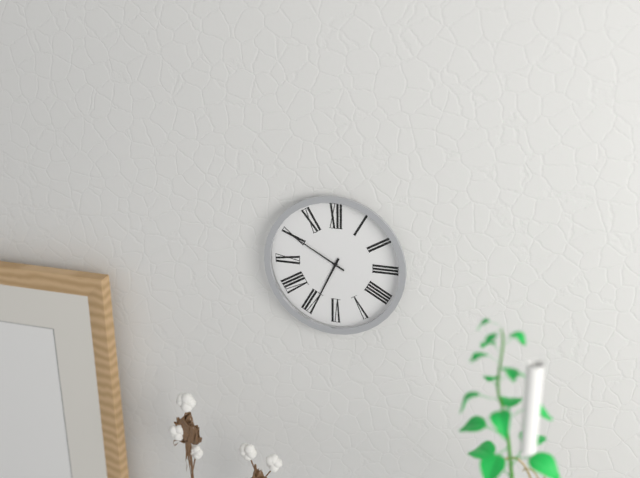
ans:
**6:50**
